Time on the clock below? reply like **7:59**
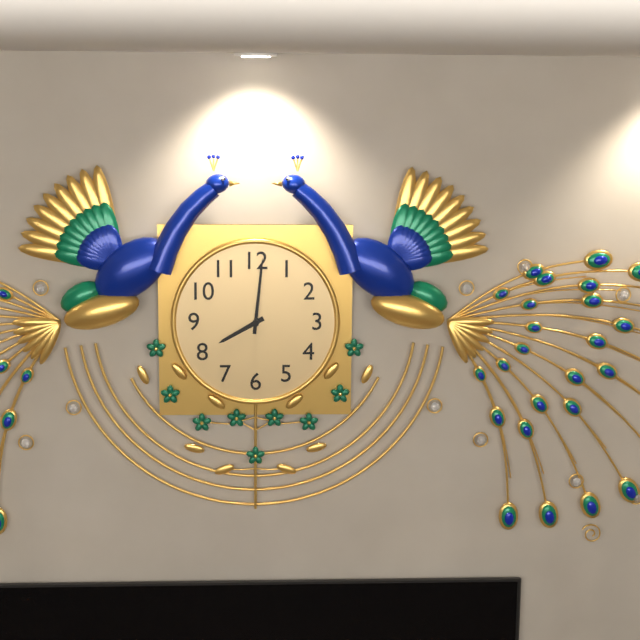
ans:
**8:01**
